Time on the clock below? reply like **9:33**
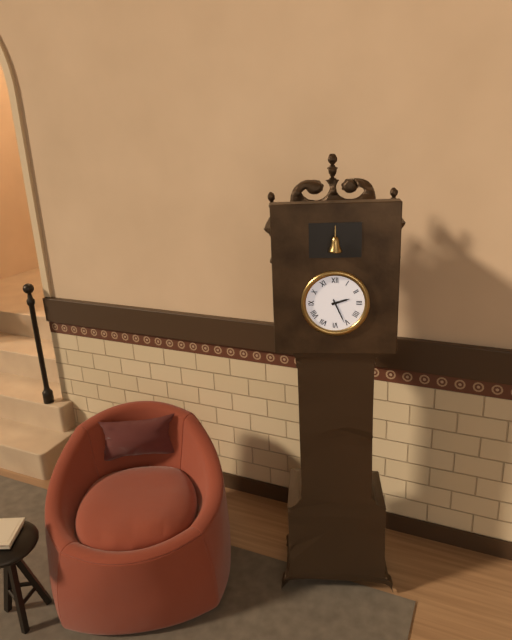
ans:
**2:26**
